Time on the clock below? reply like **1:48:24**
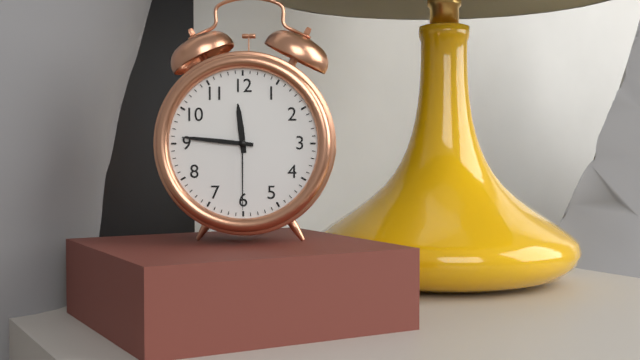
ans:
**11:46:30**
